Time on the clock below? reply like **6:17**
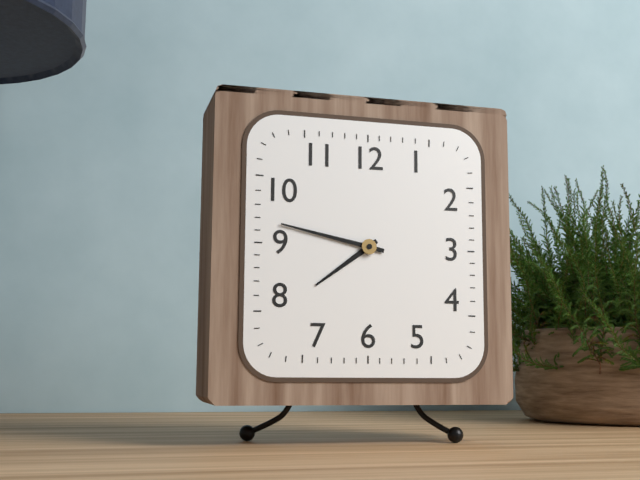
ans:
**7:47**
